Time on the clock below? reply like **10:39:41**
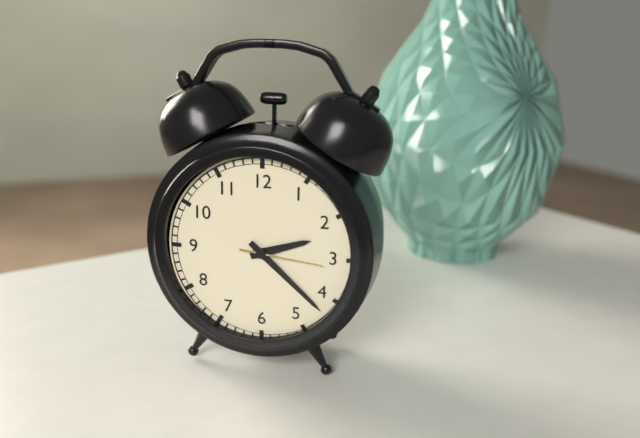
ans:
**2:22:16**
